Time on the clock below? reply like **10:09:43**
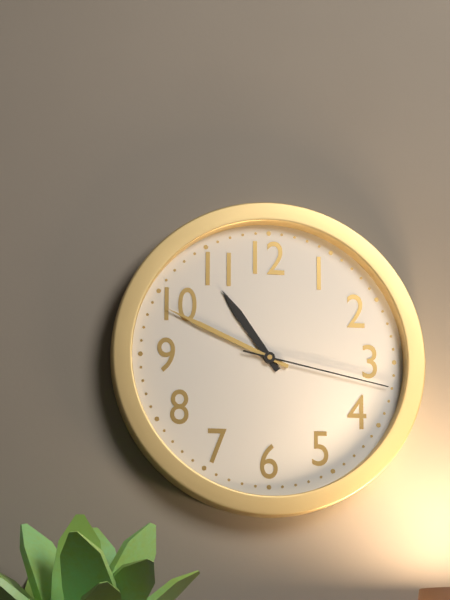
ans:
**10:49:17**
